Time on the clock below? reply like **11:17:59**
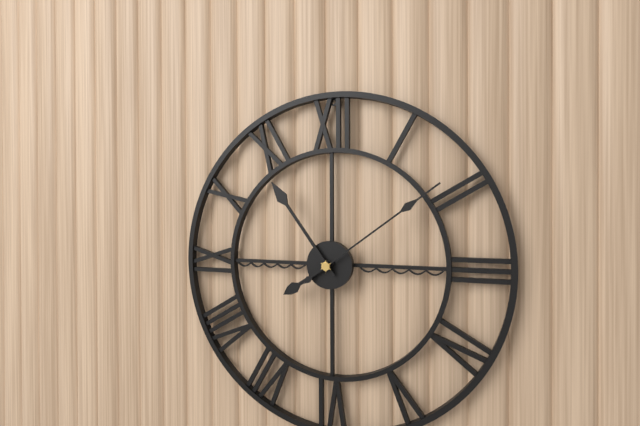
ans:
**7:54:09**
